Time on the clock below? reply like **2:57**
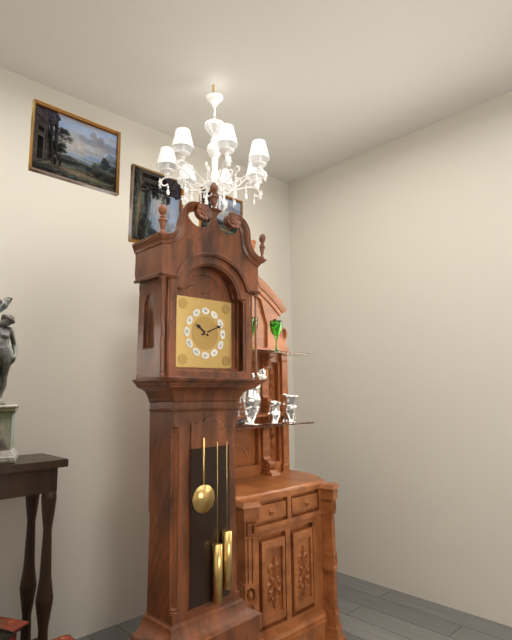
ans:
**10:11**
